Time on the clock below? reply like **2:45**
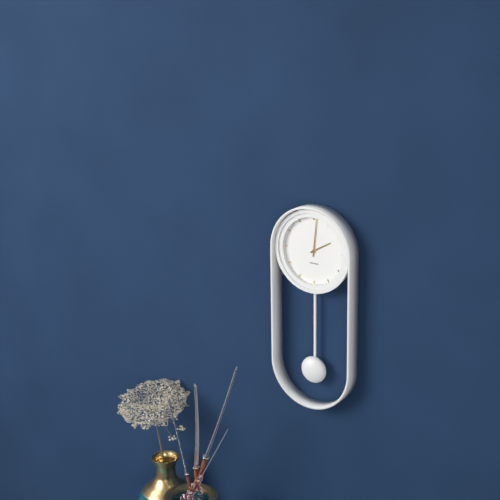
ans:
**2:01**
